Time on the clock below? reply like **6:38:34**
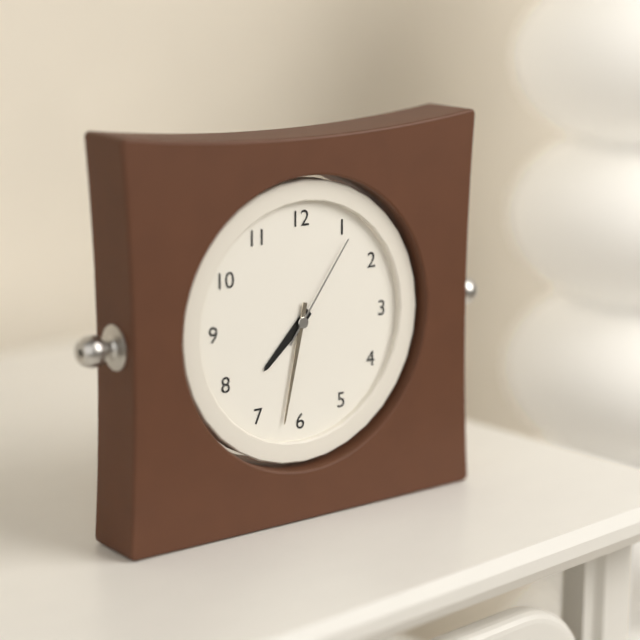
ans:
**7:32:06**
